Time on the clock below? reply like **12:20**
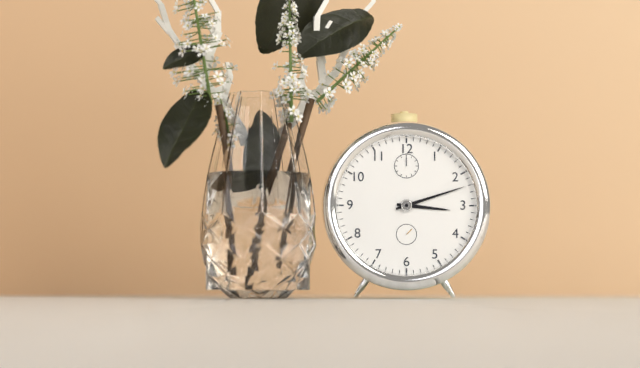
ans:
**3:12**
